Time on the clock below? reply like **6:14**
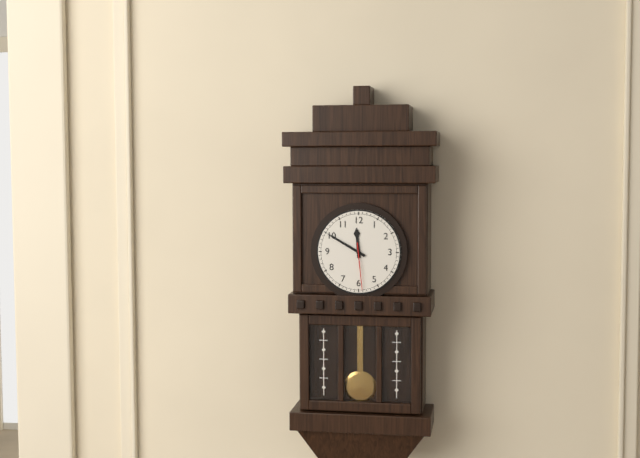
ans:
**11:50**
